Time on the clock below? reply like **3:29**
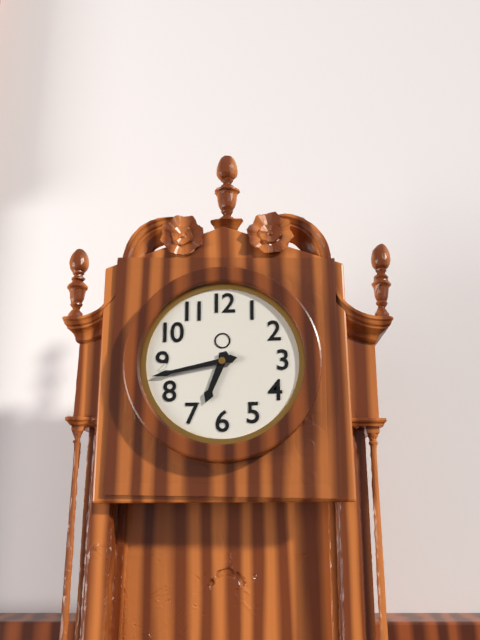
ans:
**6:43**
